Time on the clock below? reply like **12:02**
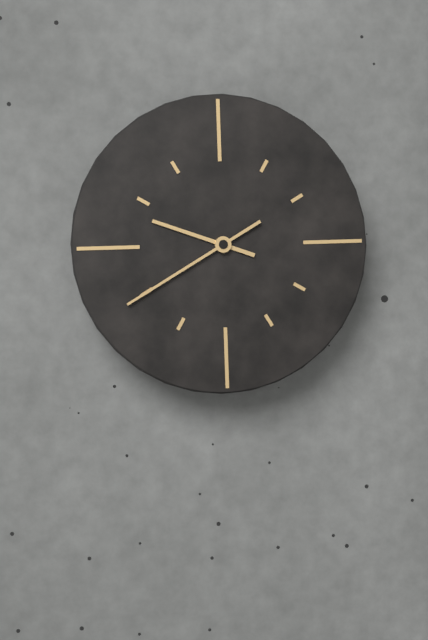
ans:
**9:40**
